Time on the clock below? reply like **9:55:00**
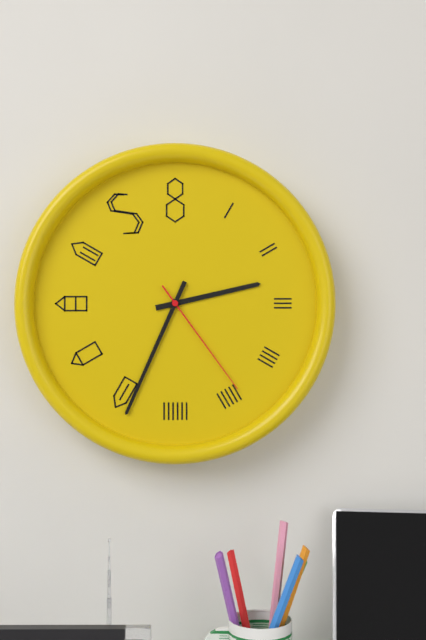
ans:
**2:34:24**
